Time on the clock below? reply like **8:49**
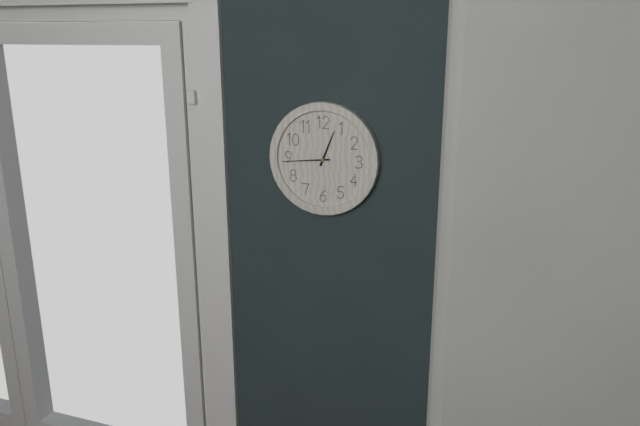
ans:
**12:44**
